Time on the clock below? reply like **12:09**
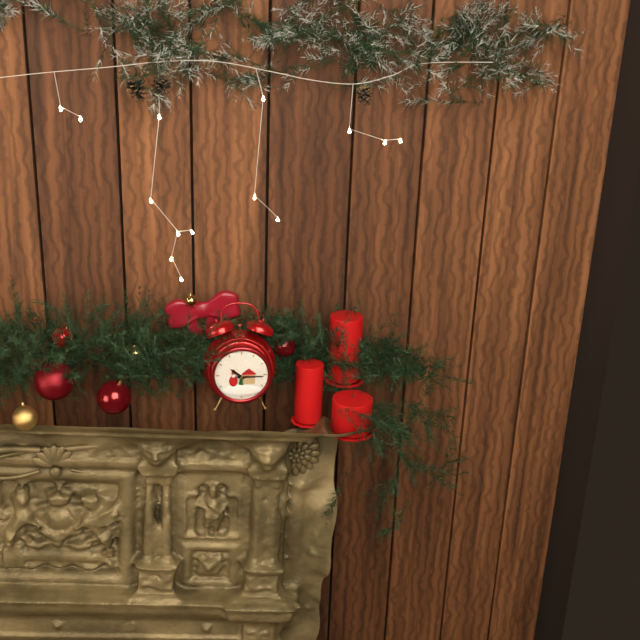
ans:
**10:15**
